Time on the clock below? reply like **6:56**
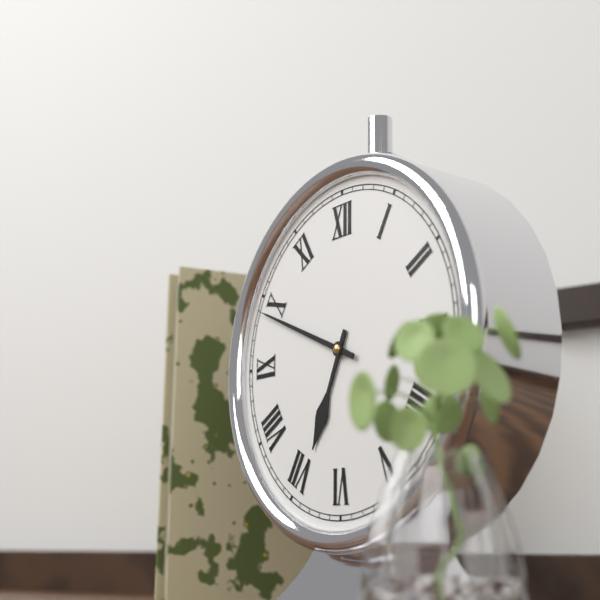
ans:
**6:49**
